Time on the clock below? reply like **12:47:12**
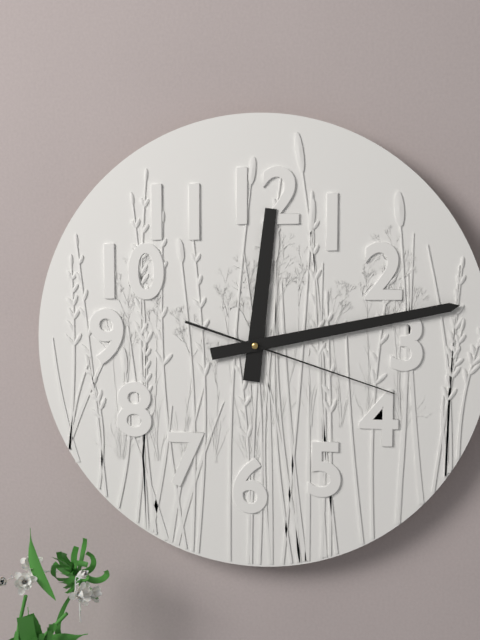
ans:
**12:13:18**
